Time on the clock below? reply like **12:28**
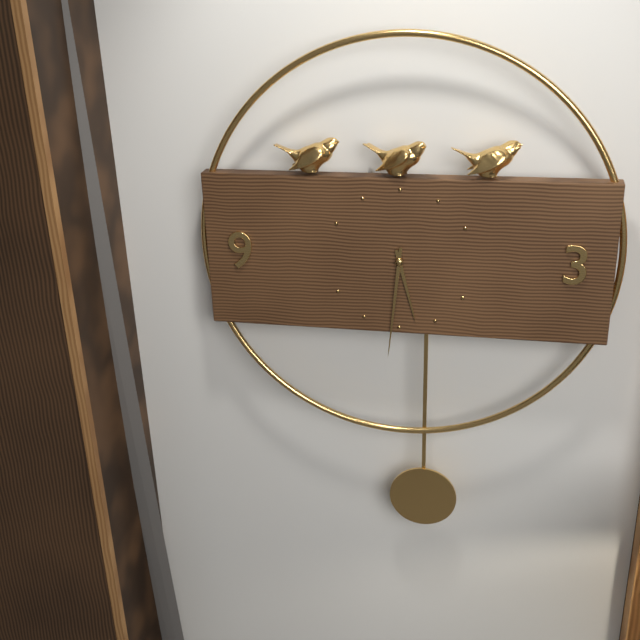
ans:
**5:31**
